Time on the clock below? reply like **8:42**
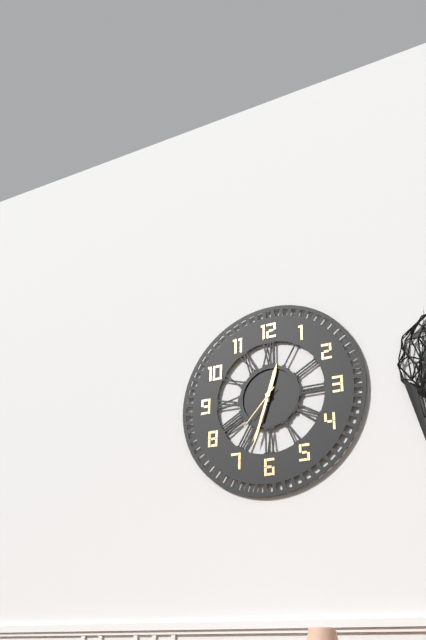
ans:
**12:33**
